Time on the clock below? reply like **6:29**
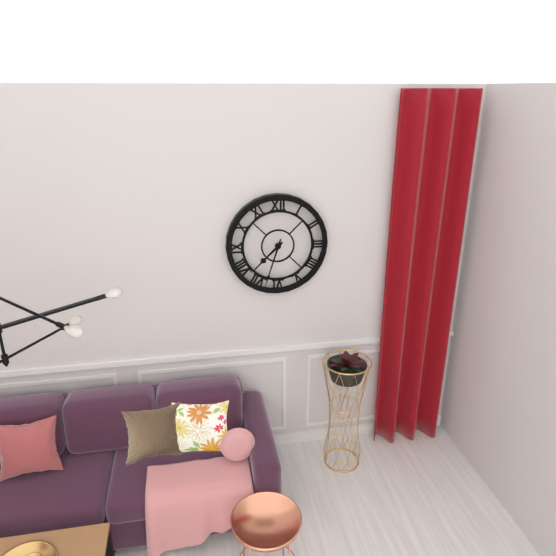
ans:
**7:33**
